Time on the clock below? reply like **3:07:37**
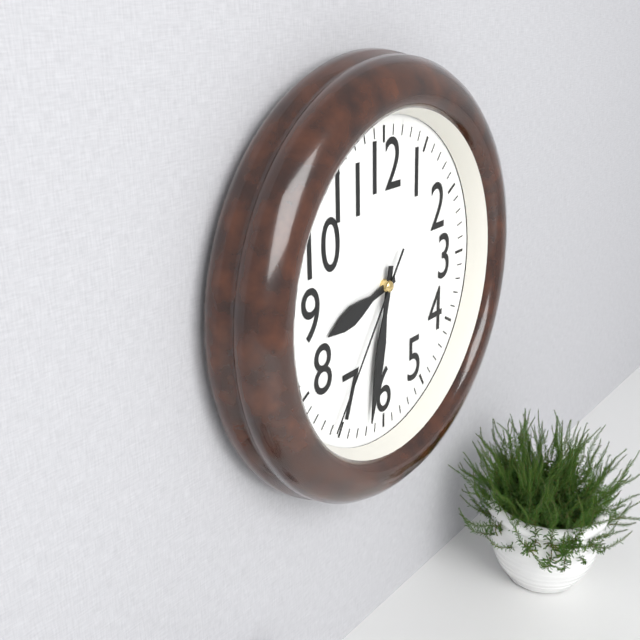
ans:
**8:32:36**
